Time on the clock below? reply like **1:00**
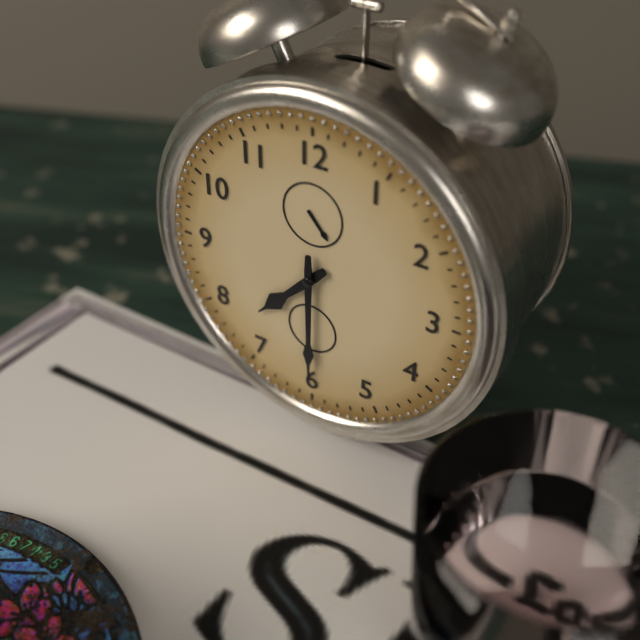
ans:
**7:30**
